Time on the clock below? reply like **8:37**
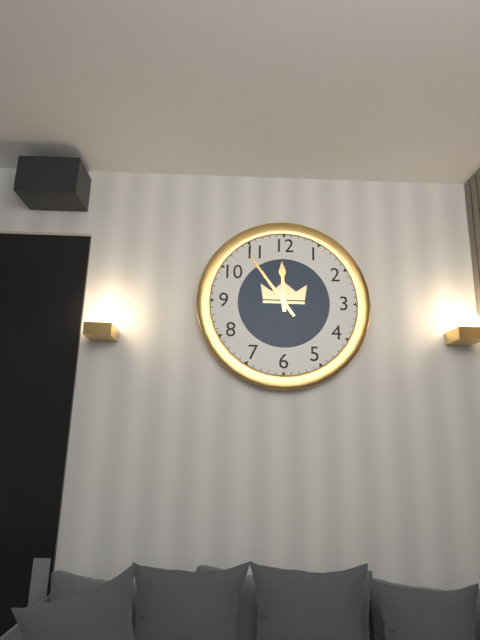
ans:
**11:54**
